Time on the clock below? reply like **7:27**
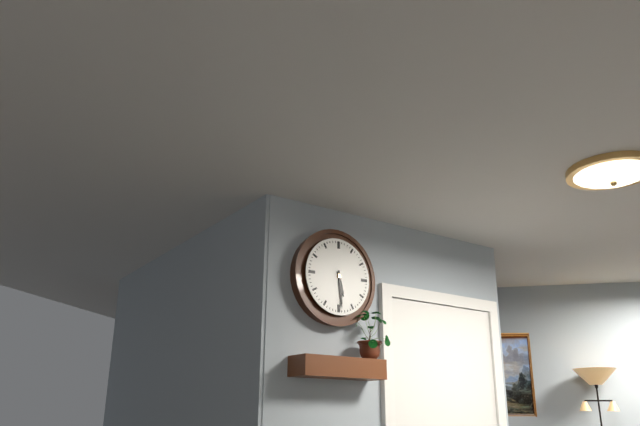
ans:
**5:29**
